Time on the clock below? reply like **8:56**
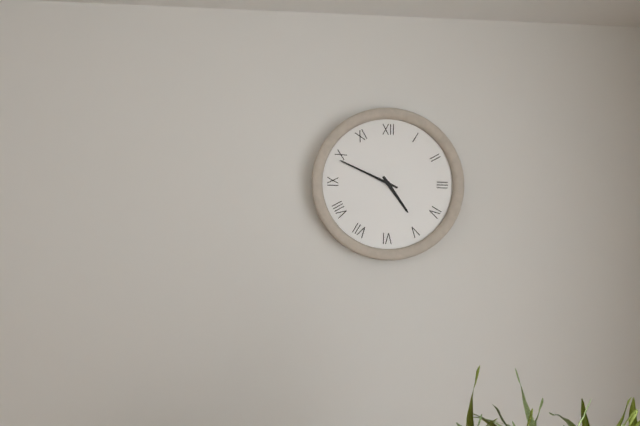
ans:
**4:49**
